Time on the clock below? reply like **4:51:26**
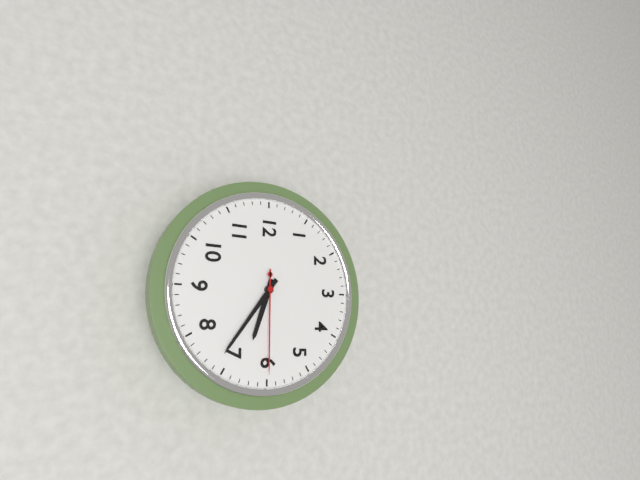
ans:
**6:36:30**
